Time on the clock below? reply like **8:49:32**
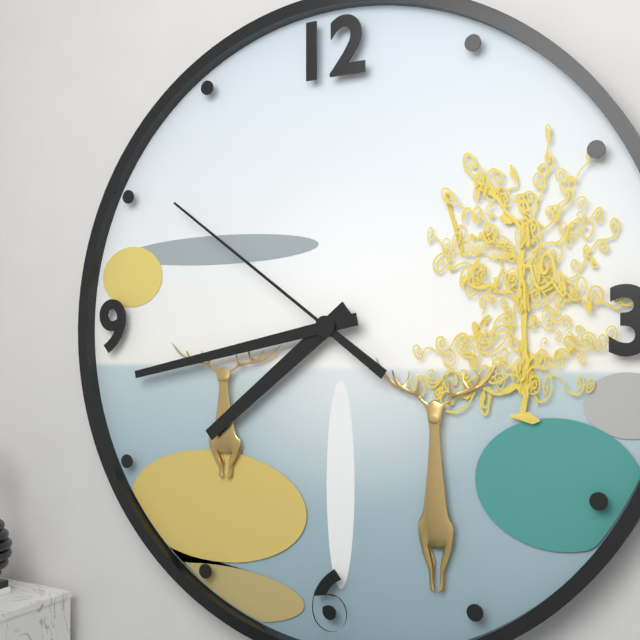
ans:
**7:43:51**
